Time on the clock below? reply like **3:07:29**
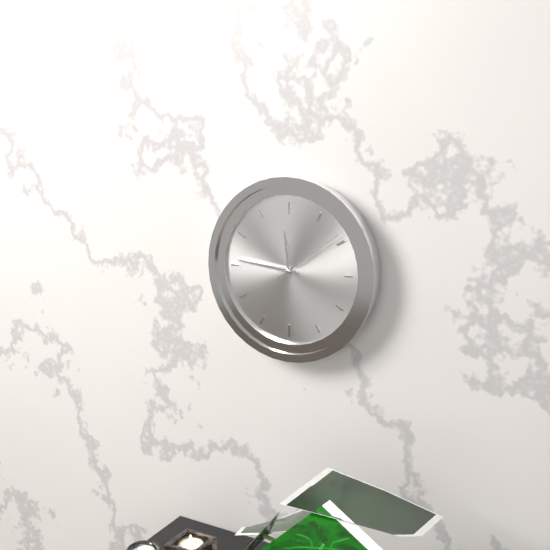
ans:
**11:46:09**
